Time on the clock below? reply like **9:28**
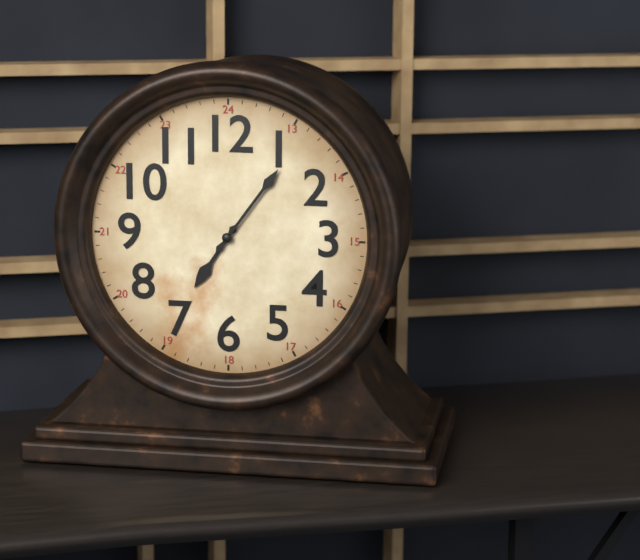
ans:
**7:06**
